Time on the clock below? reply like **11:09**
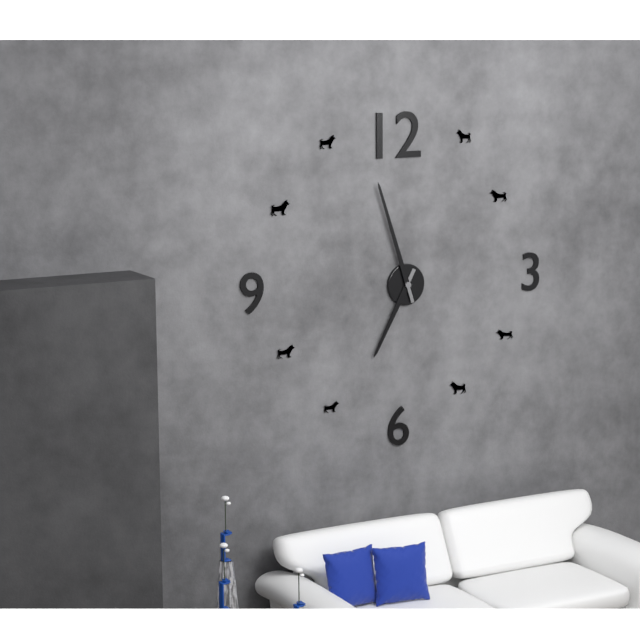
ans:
**6:57**
